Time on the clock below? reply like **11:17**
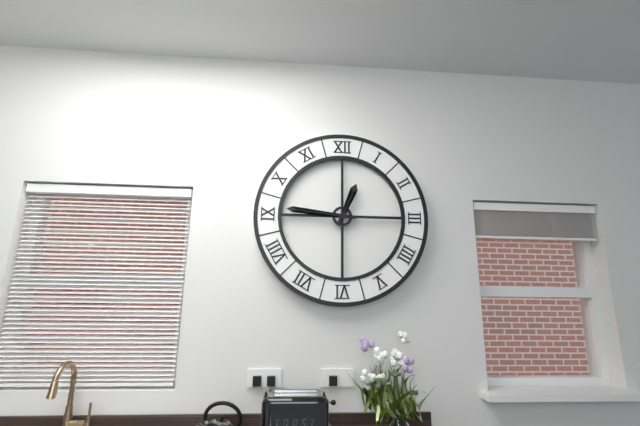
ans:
**12:46**
